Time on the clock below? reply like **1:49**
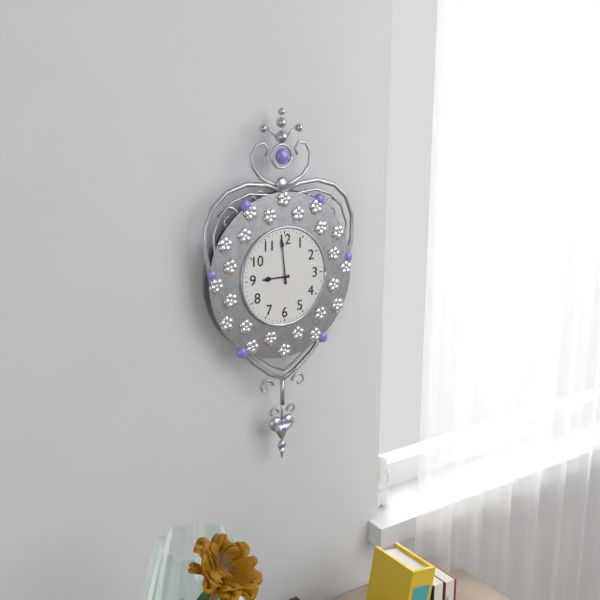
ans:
**8:59**
